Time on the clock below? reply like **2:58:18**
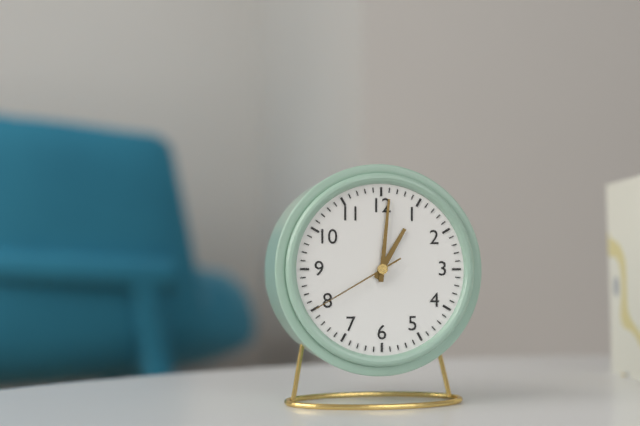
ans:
**1:01:40**
